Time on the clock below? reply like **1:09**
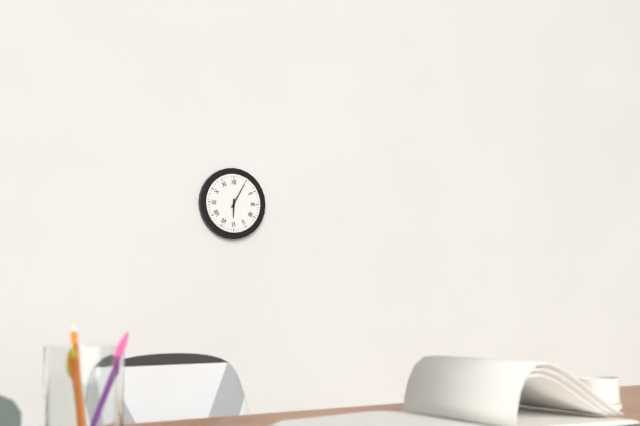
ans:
**6:05**
